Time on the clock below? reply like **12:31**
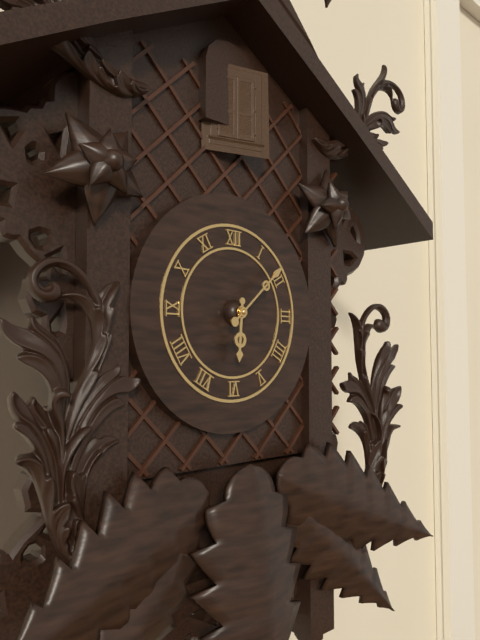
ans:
**6:08**
